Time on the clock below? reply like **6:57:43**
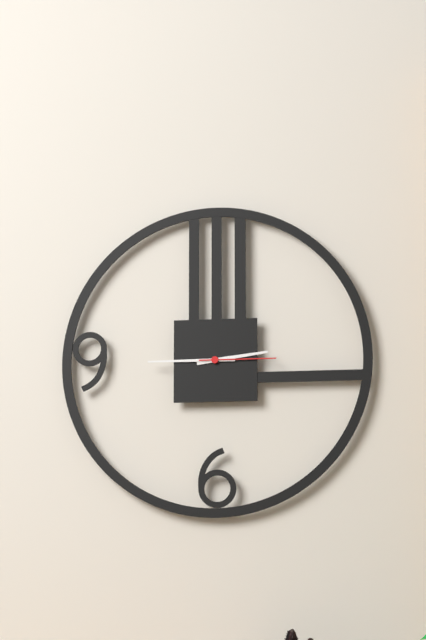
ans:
**2:45:15**
